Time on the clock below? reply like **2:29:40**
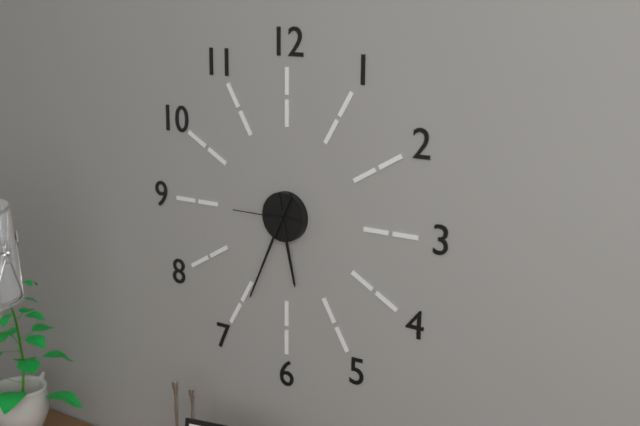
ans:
**5:34:45**
